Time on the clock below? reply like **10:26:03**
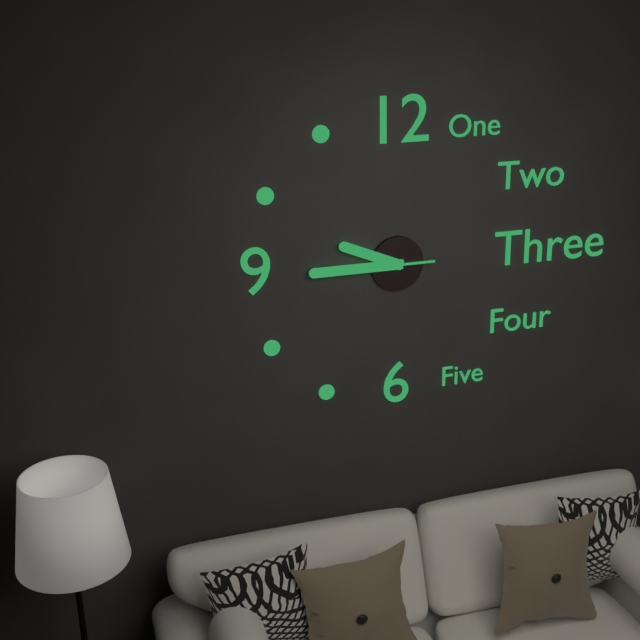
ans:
**9:45:45**
